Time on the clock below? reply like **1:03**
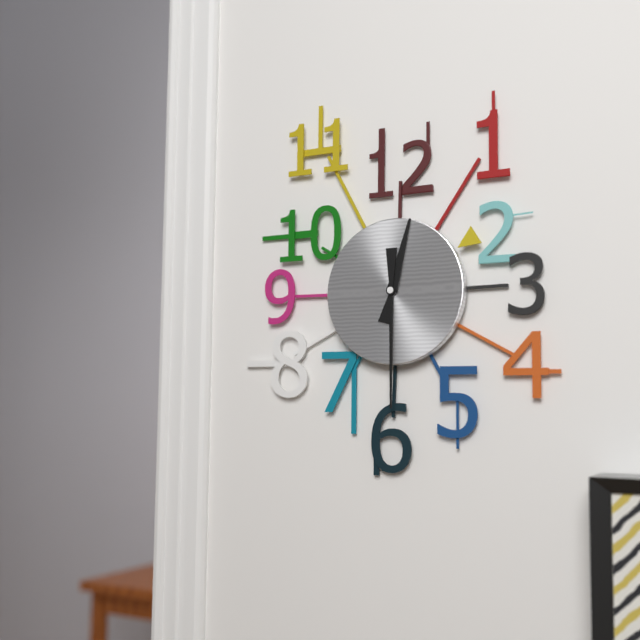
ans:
**12:30**
